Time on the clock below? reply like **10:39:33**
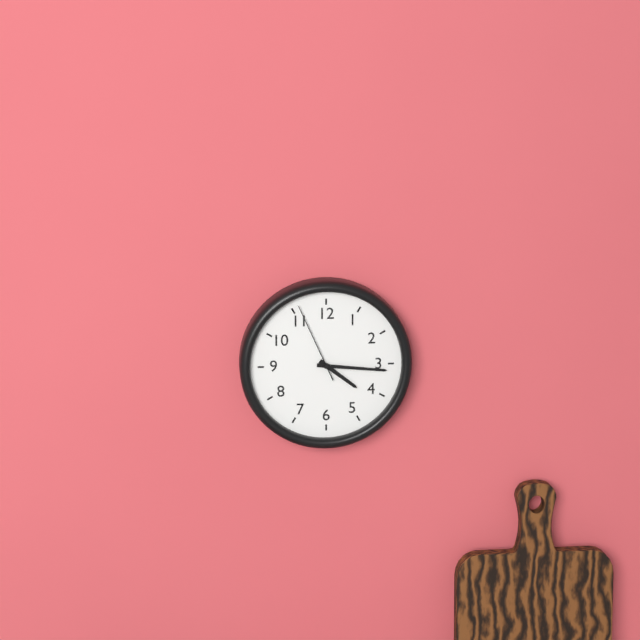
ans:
**4:16:56**
